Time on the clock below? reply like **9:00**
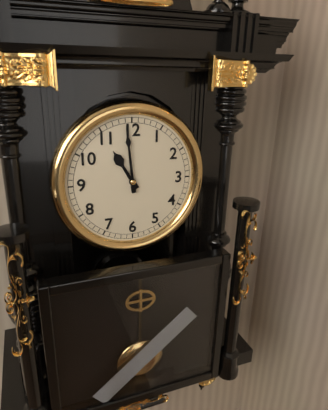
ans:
**10:59**
